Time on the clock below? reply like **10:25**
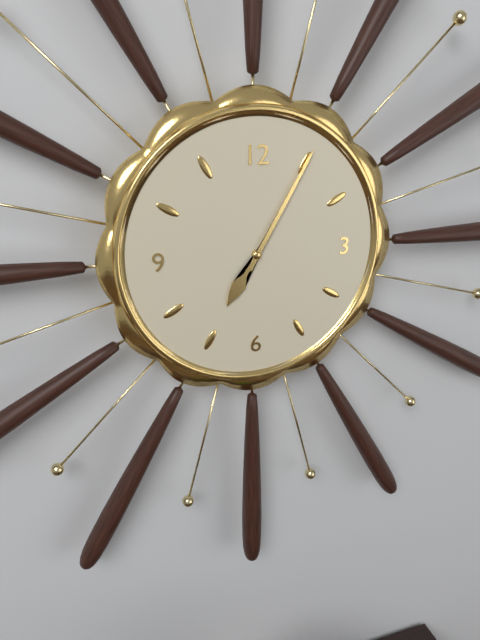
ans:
**7:05**
